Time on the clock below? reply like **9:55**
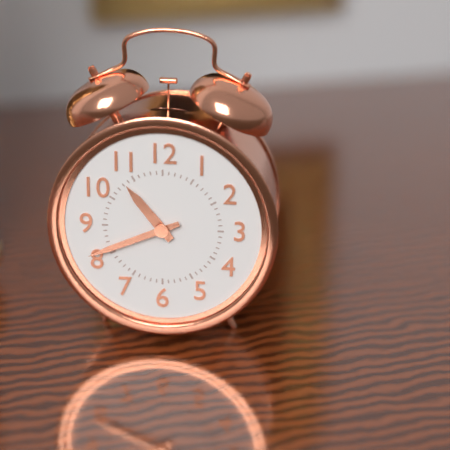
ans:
**10:41**
